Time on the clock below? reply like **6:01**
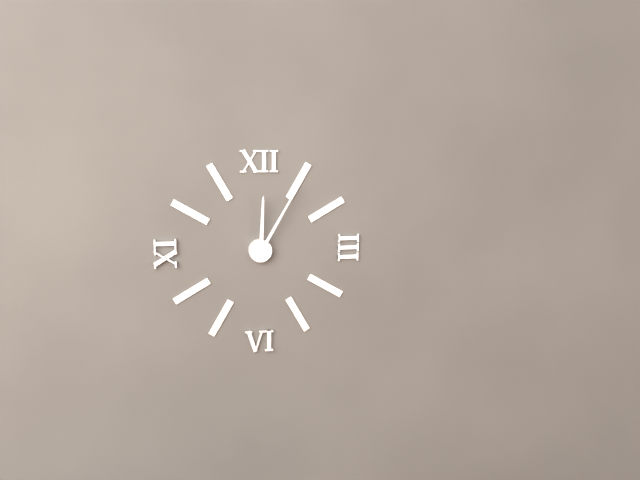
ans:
**12:05**
